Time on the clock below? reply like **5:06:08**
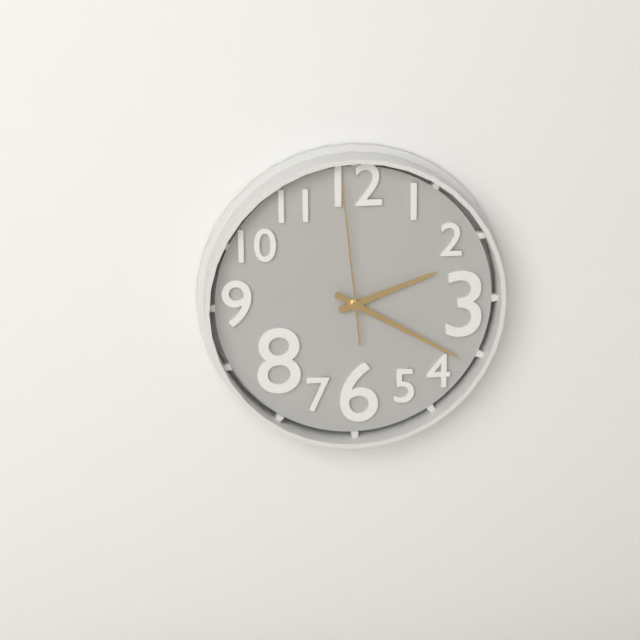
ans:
**2:20:59**
